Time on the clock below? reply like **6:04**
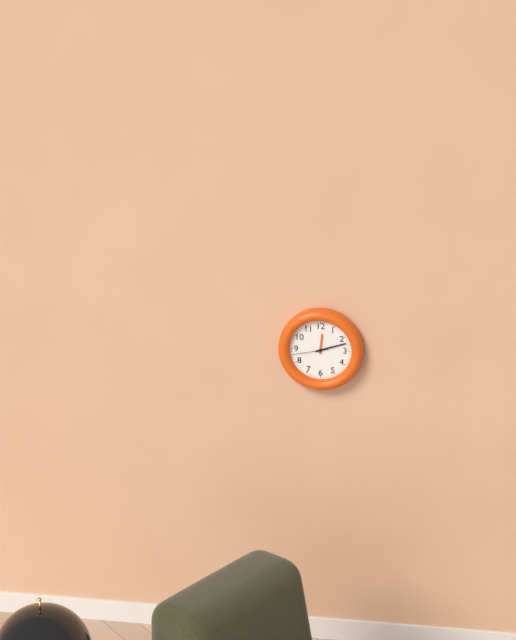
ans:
**12:12**
